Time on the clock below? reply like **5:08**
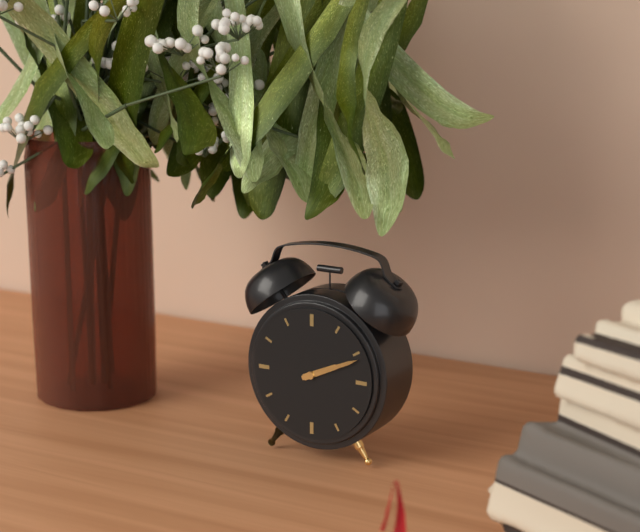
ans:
**2:11**
